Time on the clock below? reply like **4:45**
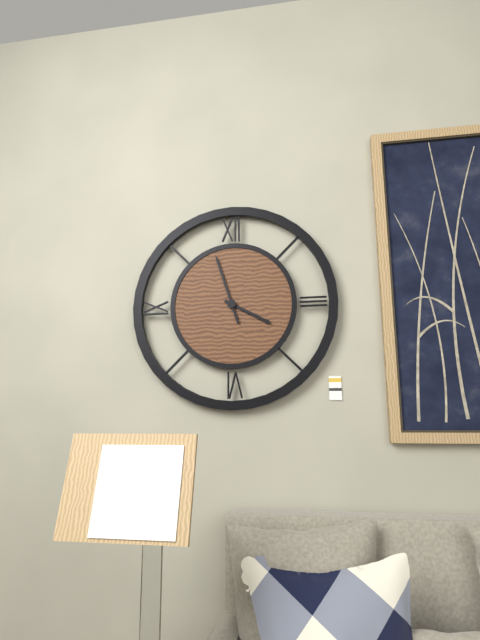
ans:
**3:57**
